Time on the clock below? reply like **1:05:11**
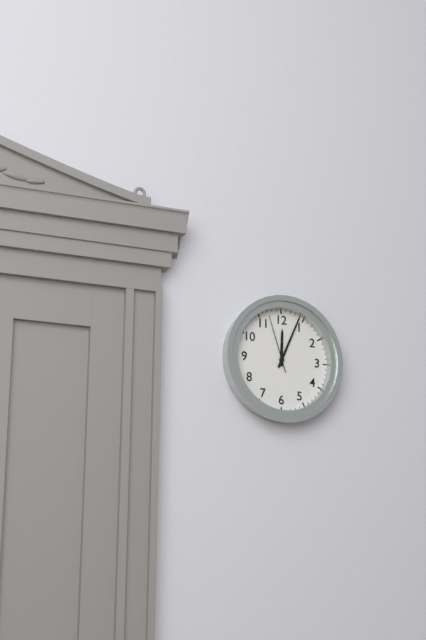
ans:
**12:04:57**
